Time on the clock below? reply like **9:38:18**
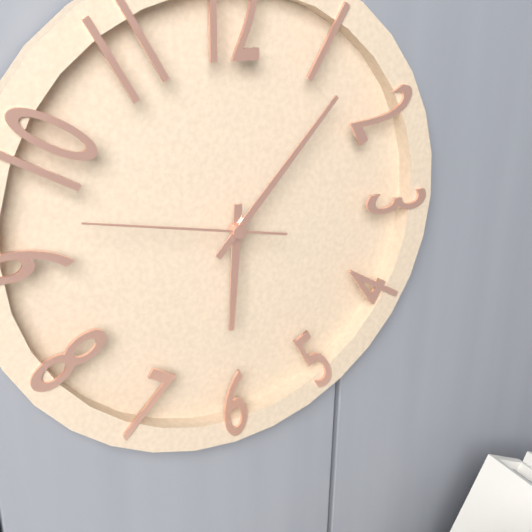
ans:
**6:07:47**
